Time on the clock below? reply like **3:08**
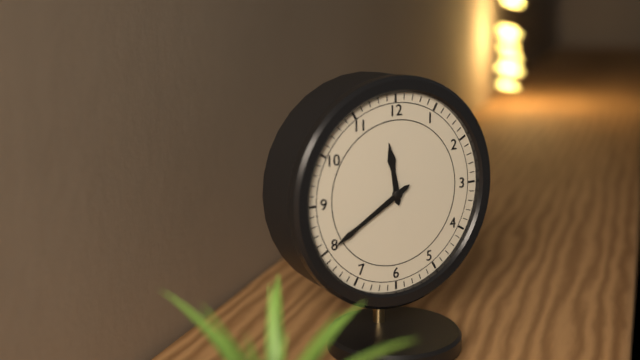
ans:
**11:40**
